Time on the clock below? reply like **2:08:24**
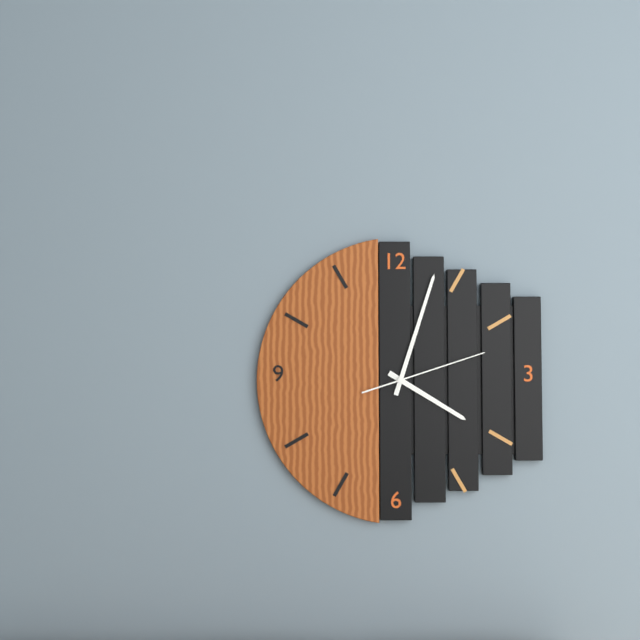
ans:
**4:03:12**
